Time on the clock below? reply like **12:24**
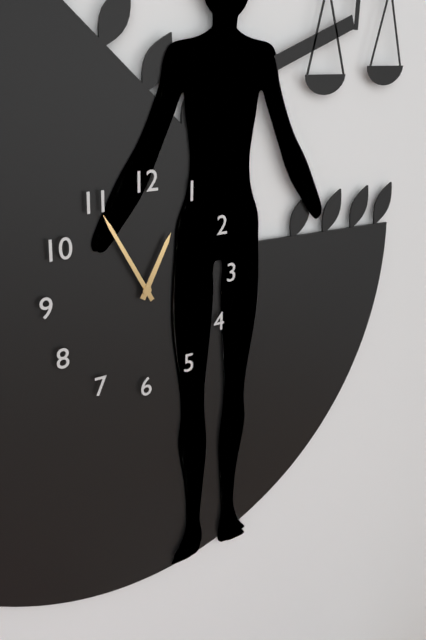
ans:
**12:55**
